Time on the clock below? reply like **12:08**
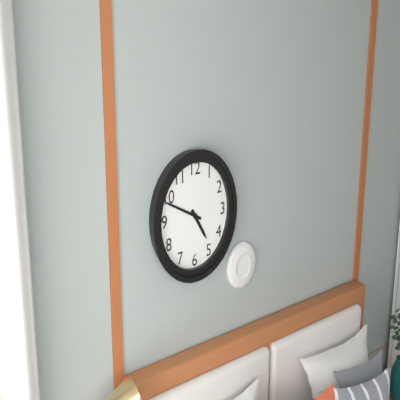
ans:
**4:49**
